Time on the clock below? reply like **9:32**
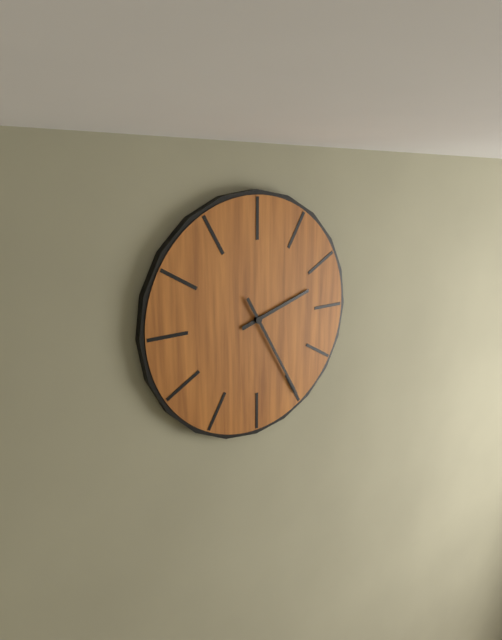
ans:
**2:25**
